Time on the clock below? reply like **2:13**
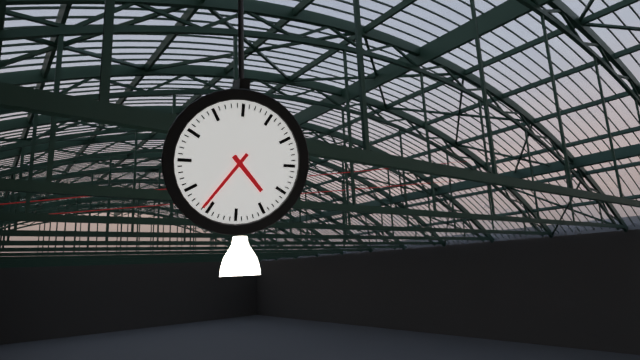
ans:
**4:36**
